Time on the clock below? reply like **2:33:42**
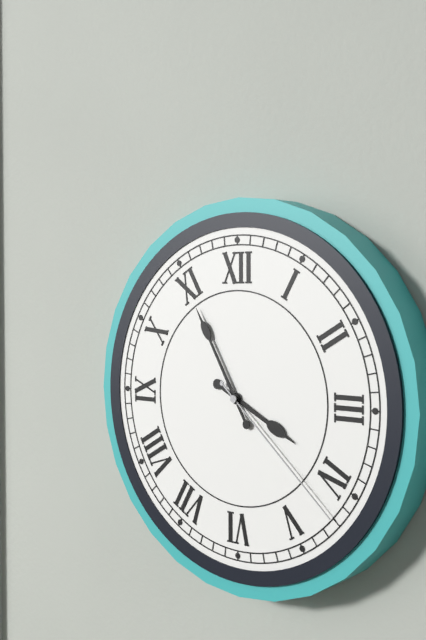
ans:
**3:55:22**
